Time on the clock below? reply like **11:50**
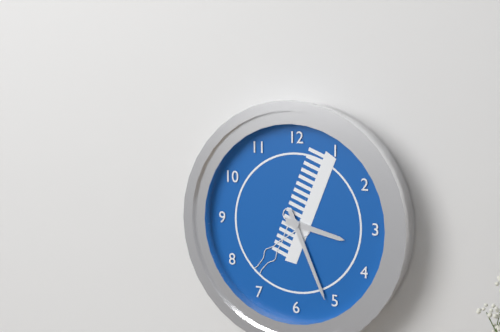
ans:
**3:26**
